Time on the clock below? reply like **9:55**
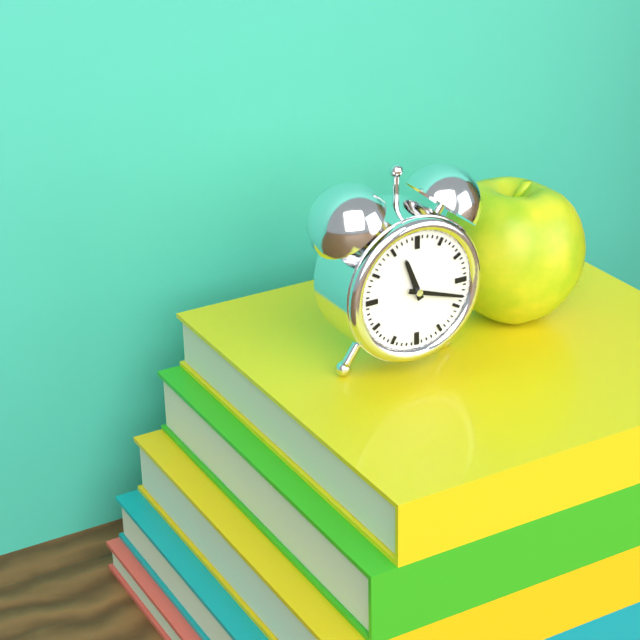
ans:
**11:18**
